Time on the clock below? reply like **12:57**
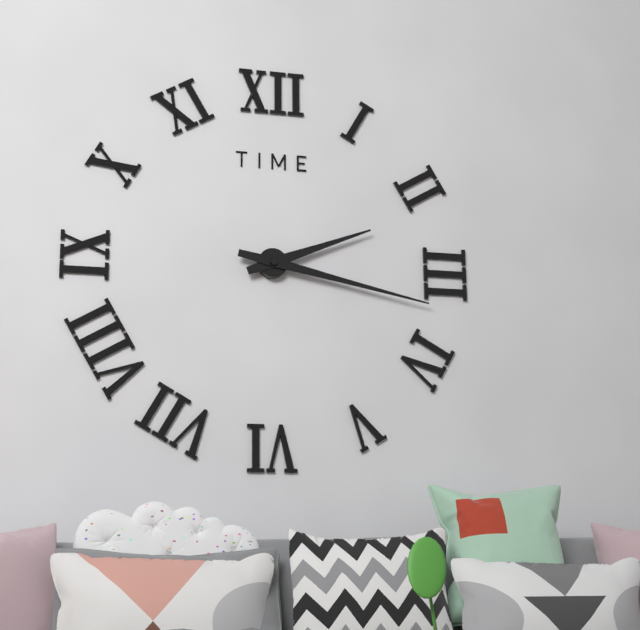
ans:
**2:17**
